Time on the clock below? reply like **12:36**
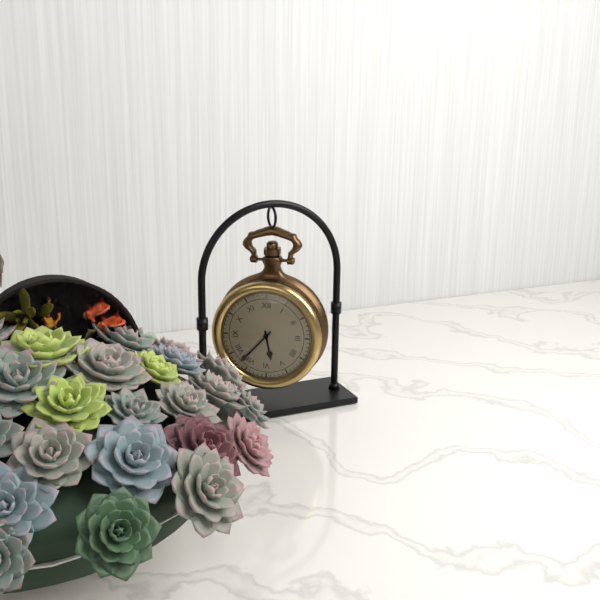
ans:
**5:37**
